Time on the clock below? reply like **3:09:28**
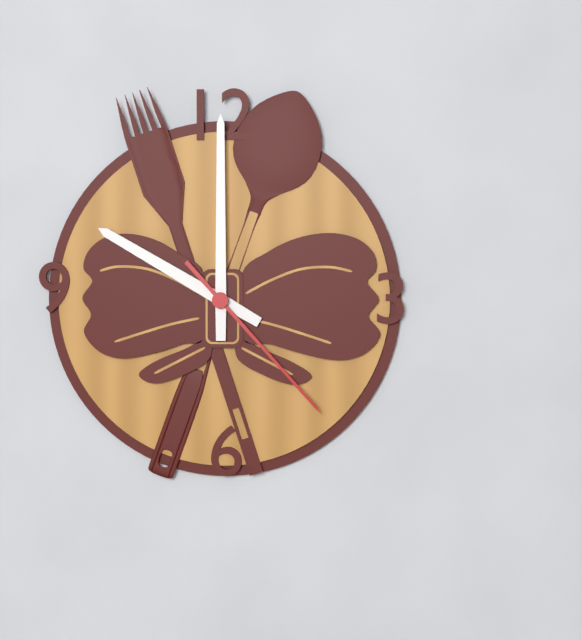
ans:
**10:00:23**
